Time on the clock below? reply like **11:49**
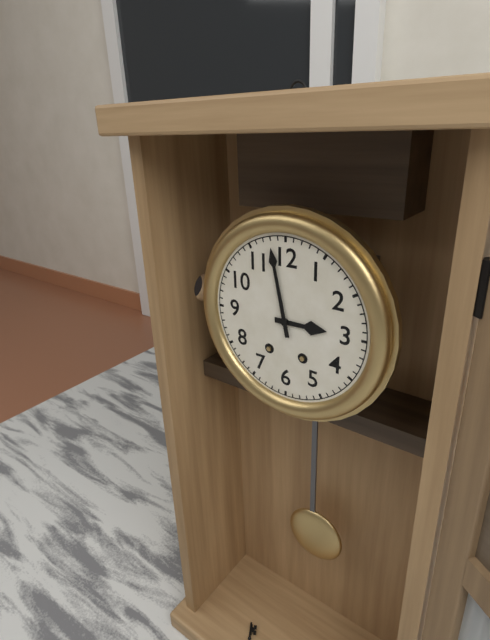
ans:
**2:58**
